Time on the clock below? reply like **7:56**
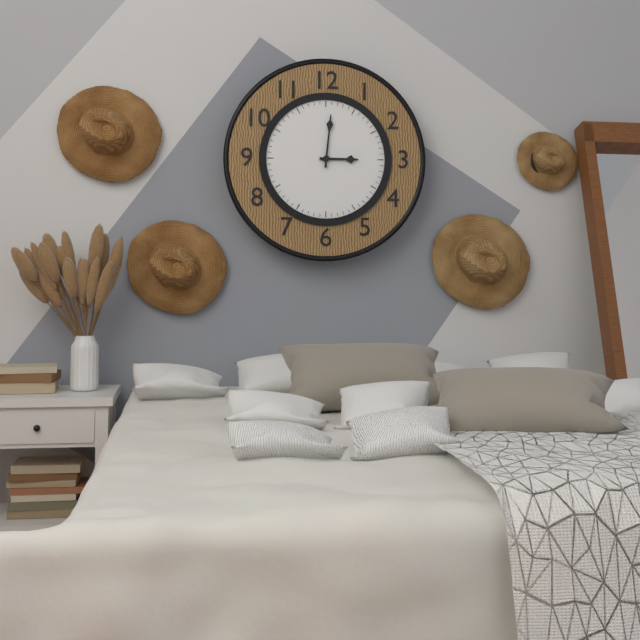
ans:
**3:01**
